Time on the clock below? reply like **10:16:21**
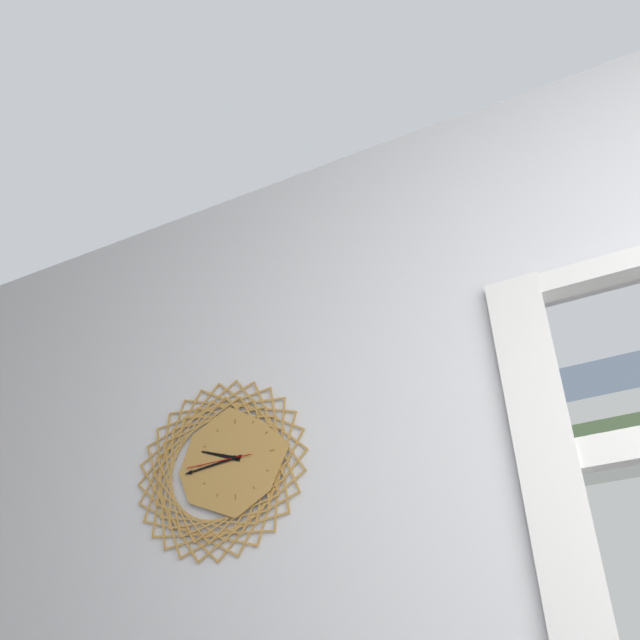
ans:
**9:44:45**
